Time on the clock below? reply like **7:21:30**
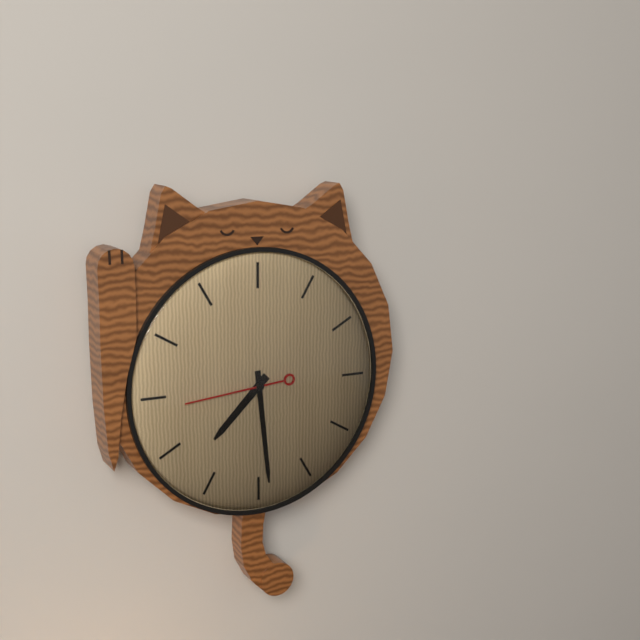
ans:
**7:29:44**
